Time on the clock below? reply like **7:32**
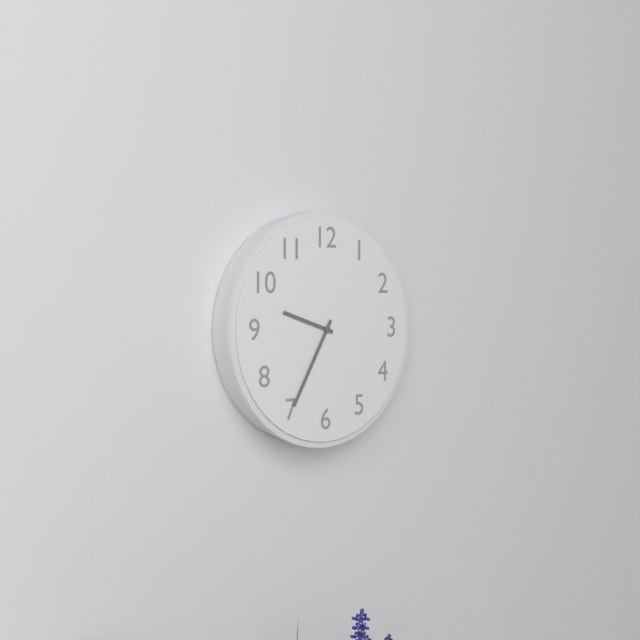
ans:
**9:35**
